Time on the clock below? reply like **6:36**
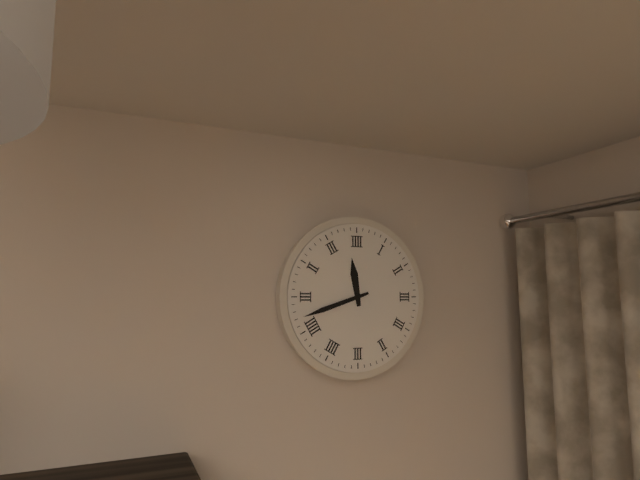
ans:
**11:42**
